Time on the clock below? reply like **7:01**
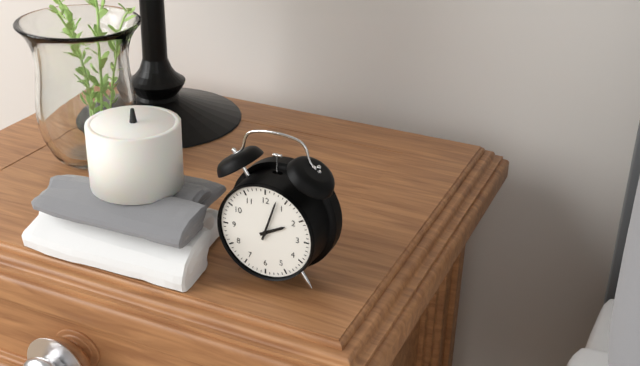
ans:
**2:03**
